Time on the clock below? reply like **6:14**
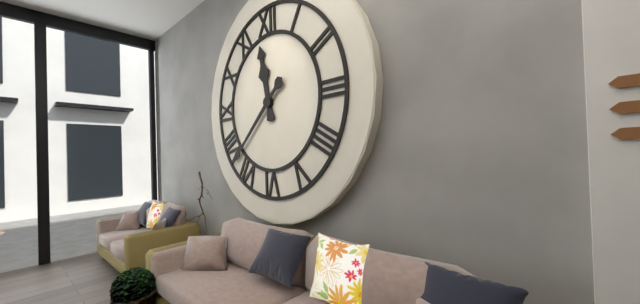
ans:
**11:38**
